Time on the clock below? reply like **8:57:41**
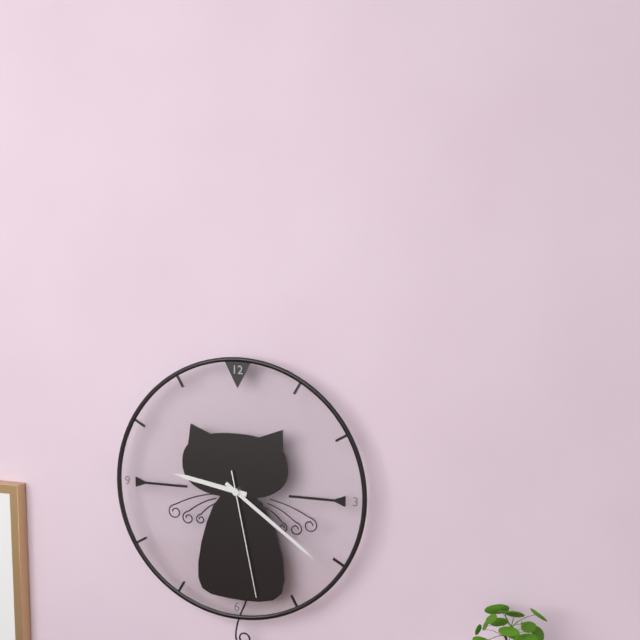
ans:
**9:21:28**
